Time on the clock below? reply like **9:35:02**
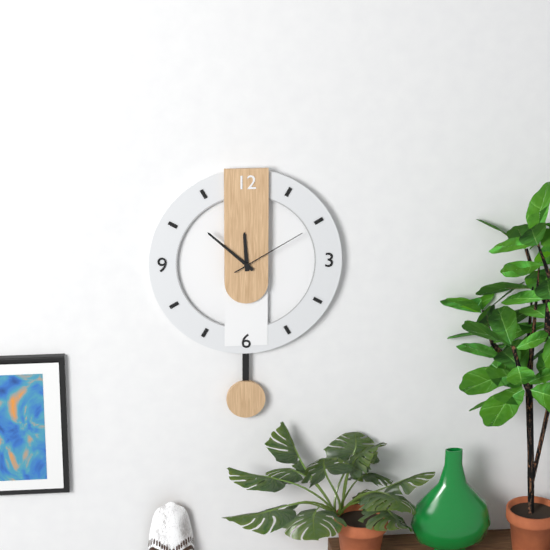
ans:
**11:52:10**
